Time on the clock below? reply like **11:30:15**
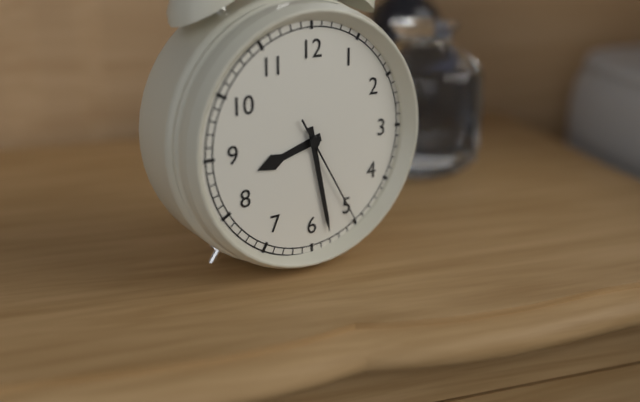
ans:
**8:28:25**
